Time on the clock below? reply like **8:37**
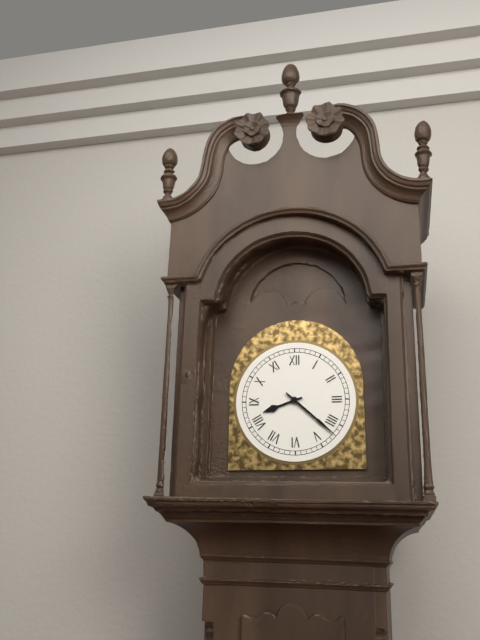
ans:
**8:22**
